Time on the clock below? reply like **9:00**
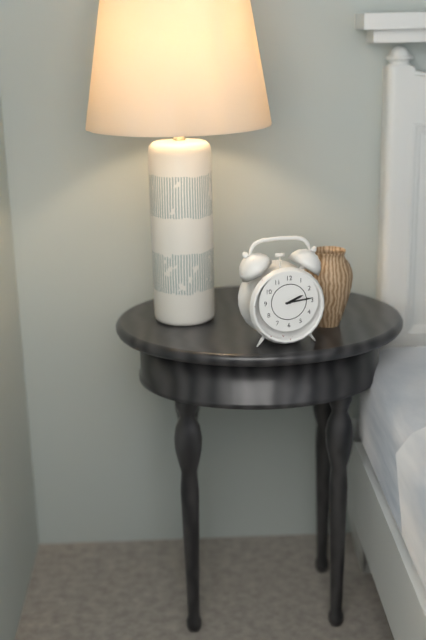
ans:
**2:14**
